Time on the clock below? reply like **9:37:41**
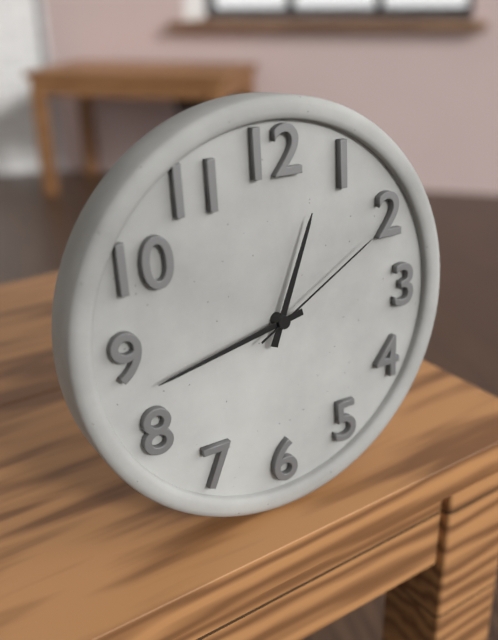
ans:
**12:43:10**
